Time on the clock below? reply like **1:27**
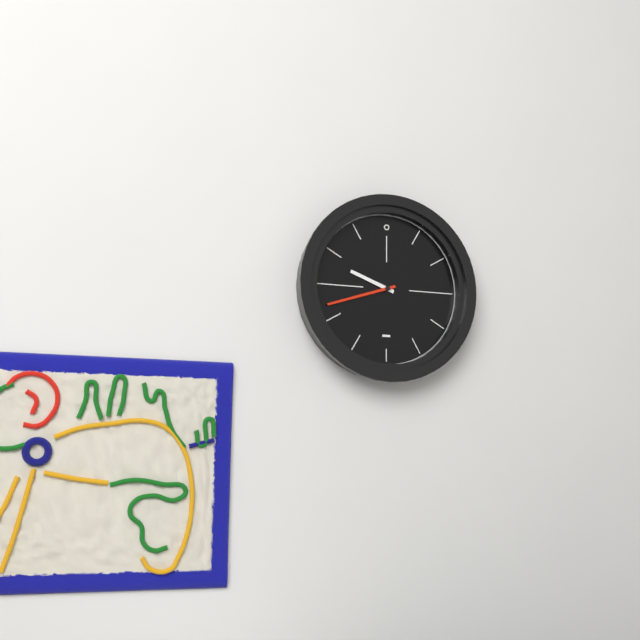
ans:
**9:42**
